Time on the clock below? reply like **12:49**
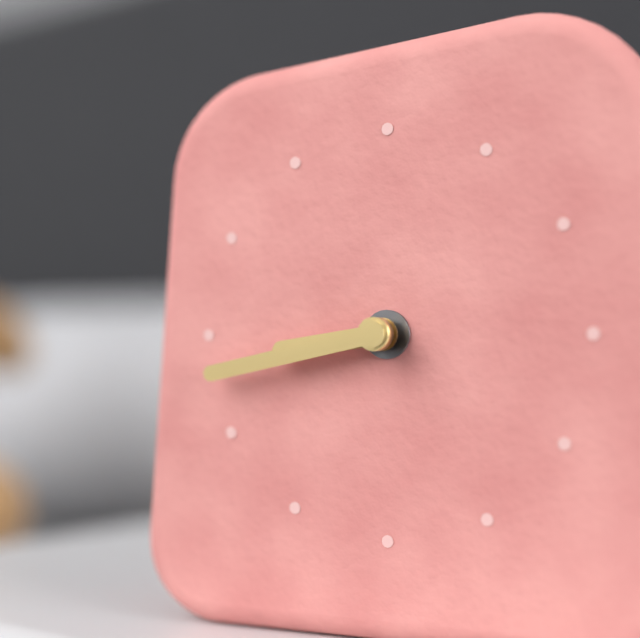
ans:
**8:43**
